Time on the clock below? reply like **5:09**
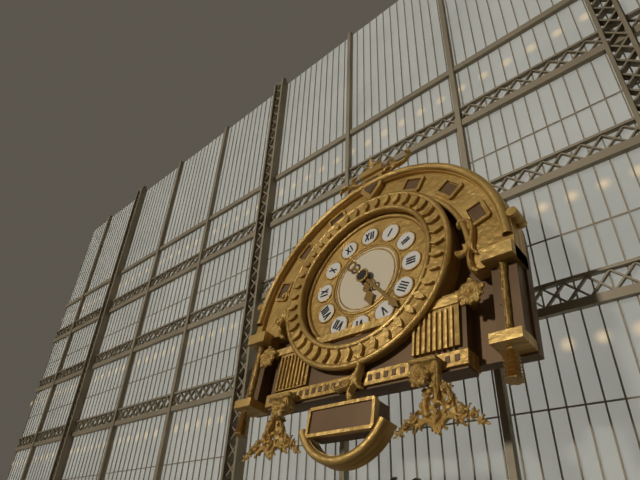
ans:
**5:23**
